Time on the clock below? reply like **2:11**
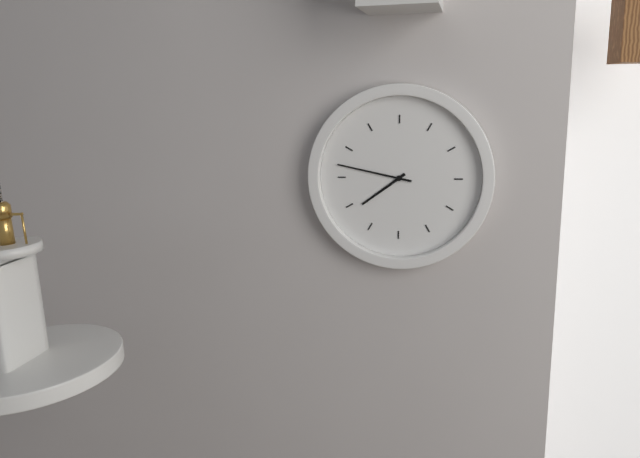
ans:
**7:47**
